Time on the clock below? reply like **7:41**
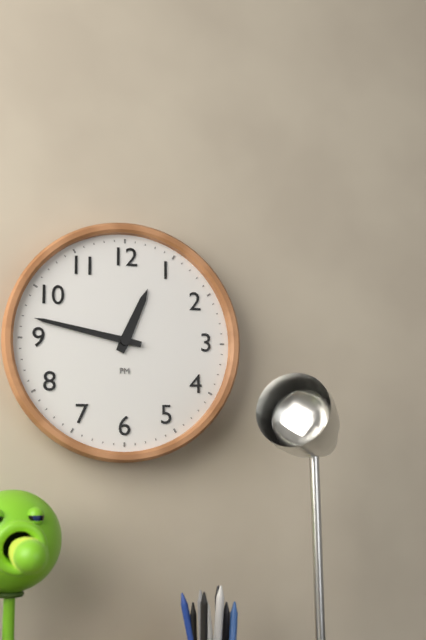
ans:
**12:47**
